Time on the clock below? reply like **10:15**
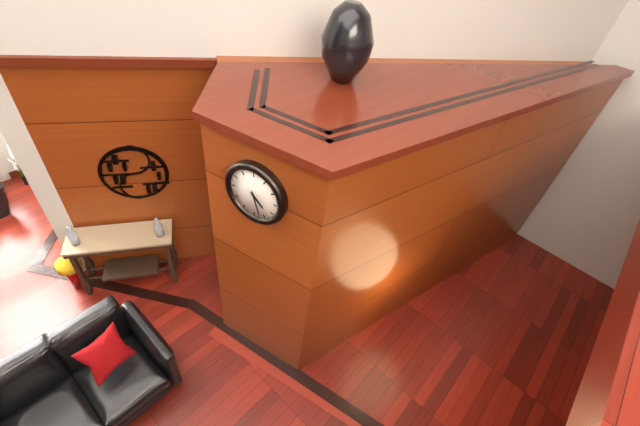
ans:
**4:27**
